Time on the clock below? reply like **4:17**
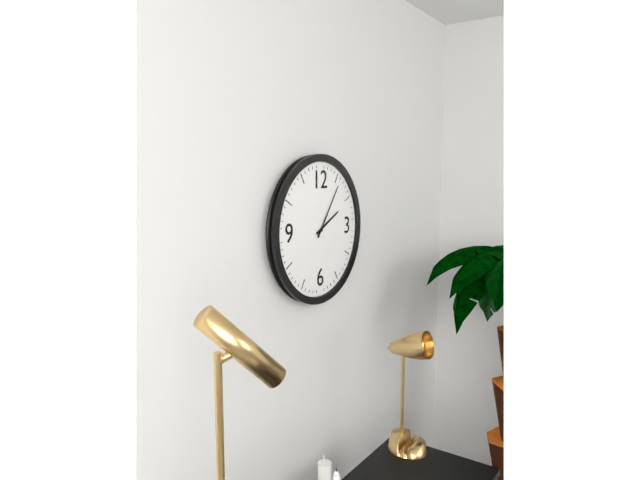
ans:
**2:06**
